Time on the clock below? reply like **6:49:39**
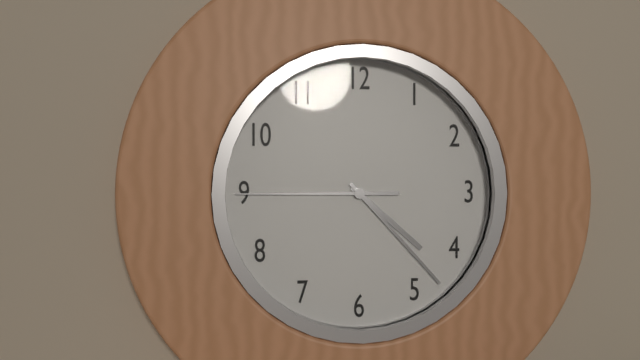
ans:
**4:23:45**
